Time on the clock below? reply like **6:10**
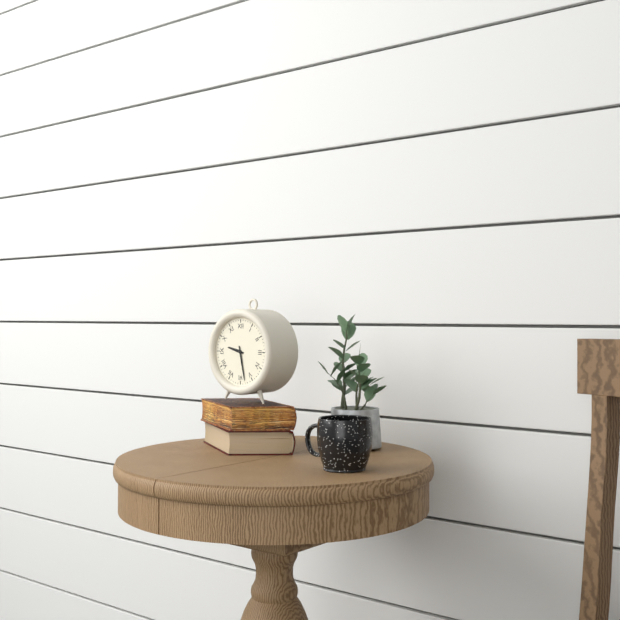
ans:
**9:28**
